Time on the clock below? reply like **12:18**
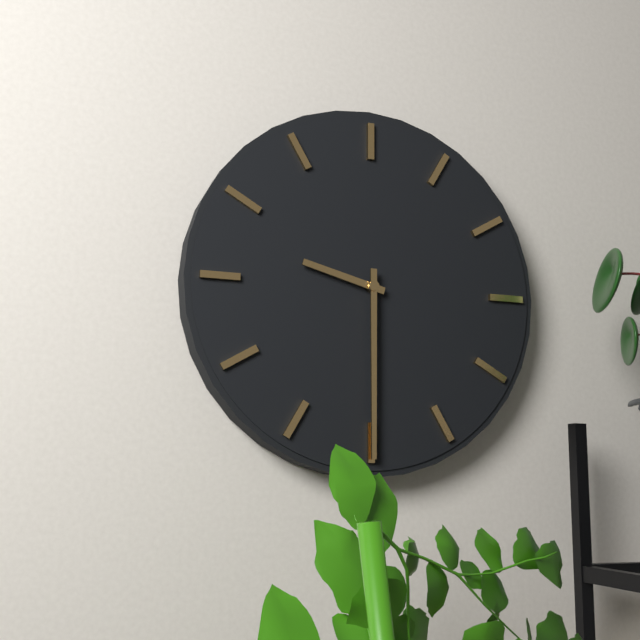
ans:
**9:30**
